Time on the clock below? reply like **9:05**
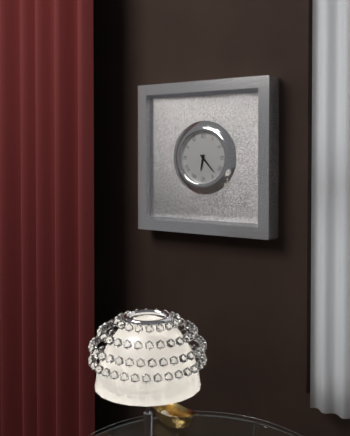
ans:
**6:23**
